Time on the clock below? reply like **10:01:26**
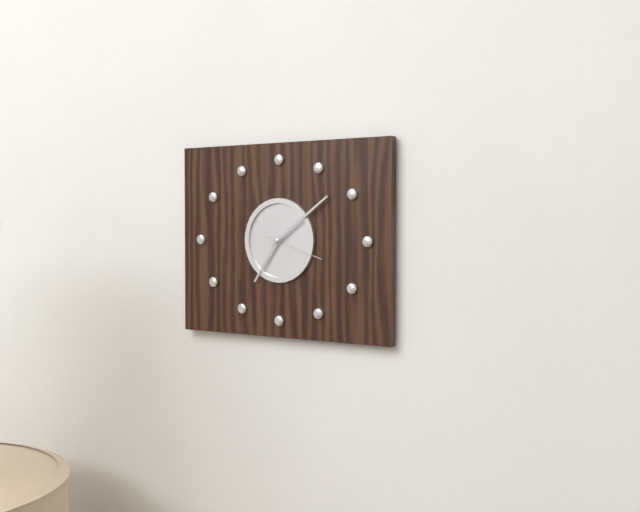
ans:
**7:09:18**
